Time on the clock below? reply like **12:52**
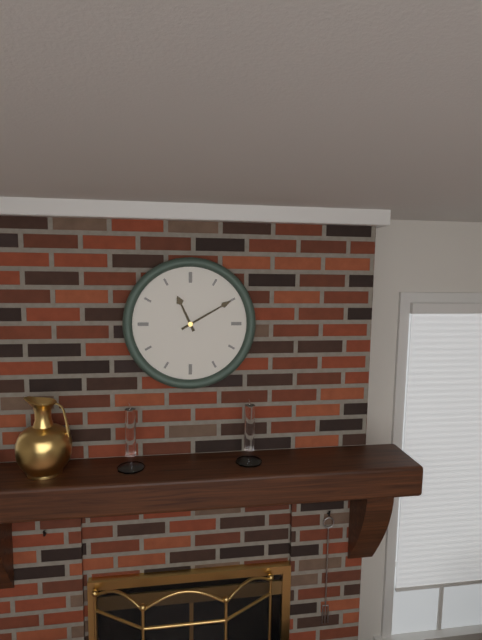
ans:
**11:10**
